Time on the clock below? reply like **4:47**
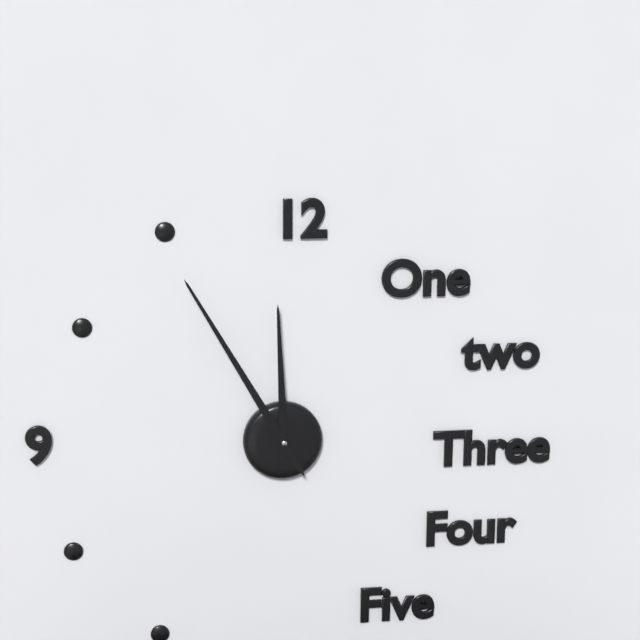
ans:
**11:55**
